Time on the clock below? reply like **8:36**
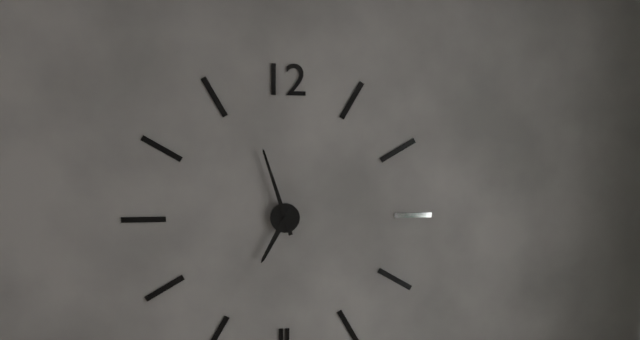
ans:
**6:57**
